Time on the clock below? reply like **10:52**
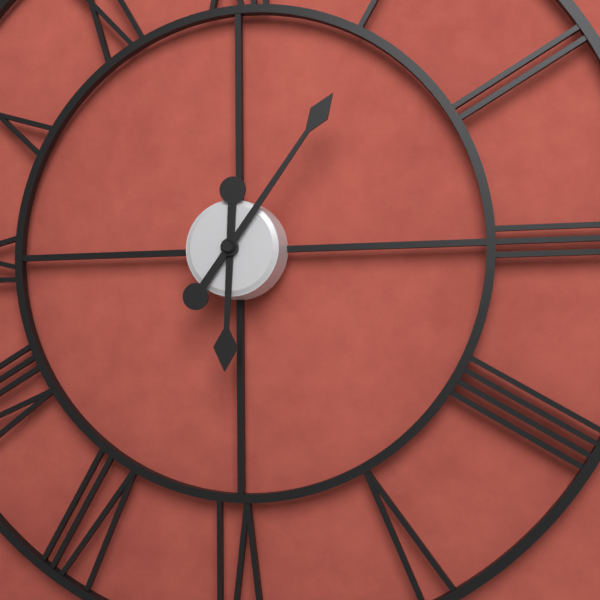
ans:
**6:06**
